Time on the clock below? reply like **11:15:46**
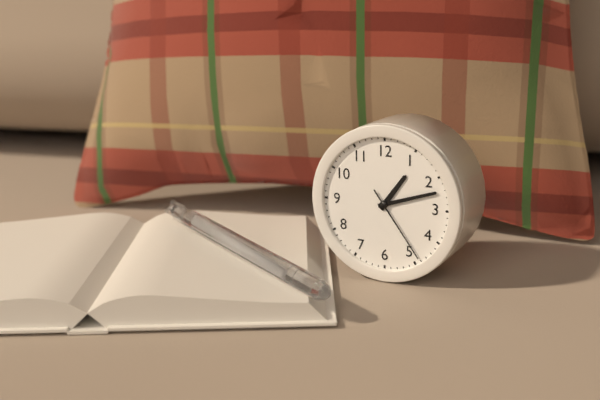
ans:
**1:12:24**
